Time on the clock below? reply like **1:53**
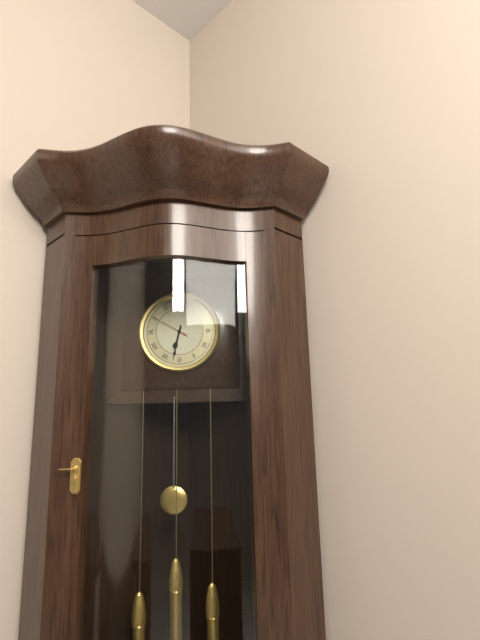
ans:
**6:32**
